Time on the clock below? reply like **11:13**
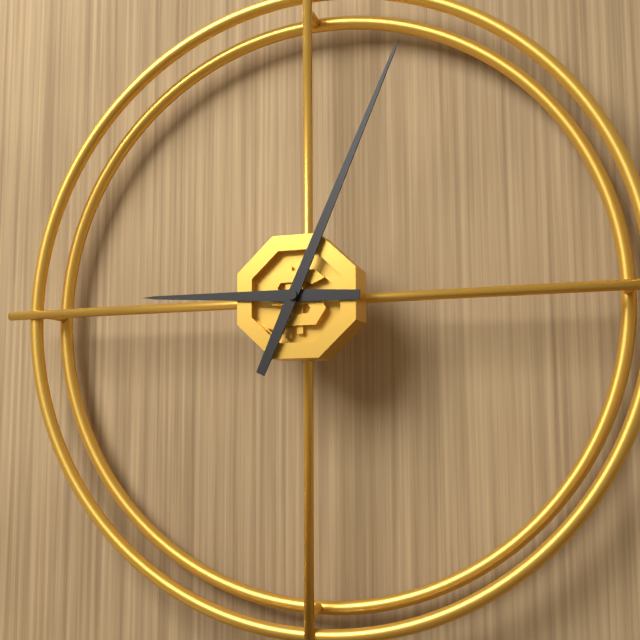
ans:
**9:04**
